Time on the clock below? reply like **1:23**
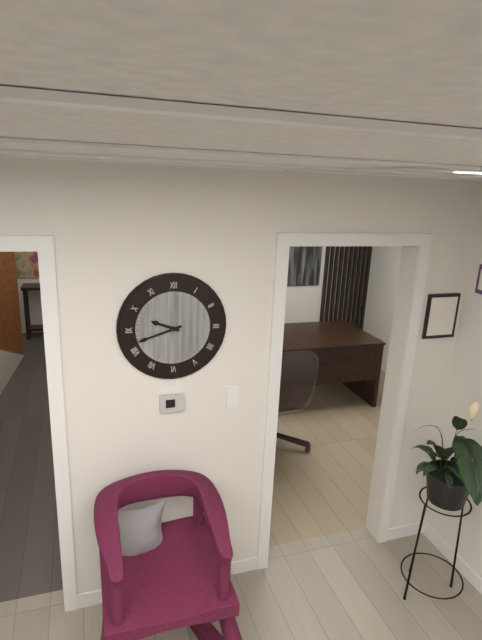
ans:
**9:42**
